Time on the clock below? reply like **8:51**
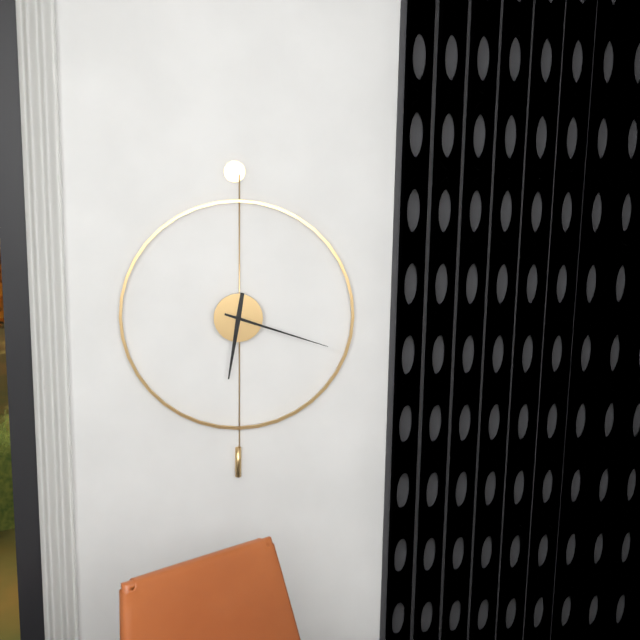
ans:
**6:18**
